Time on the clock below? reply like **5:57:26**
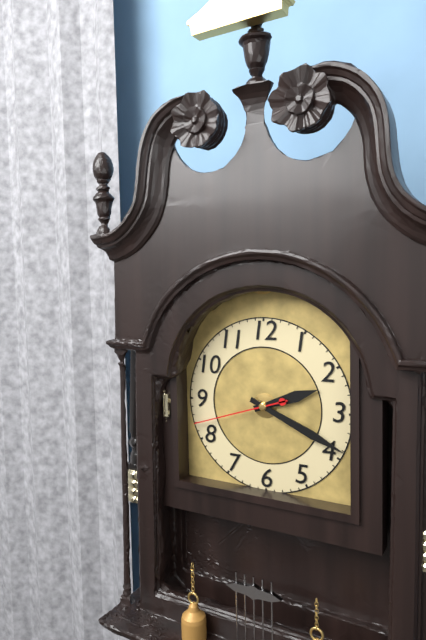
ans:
**2:19:42**
